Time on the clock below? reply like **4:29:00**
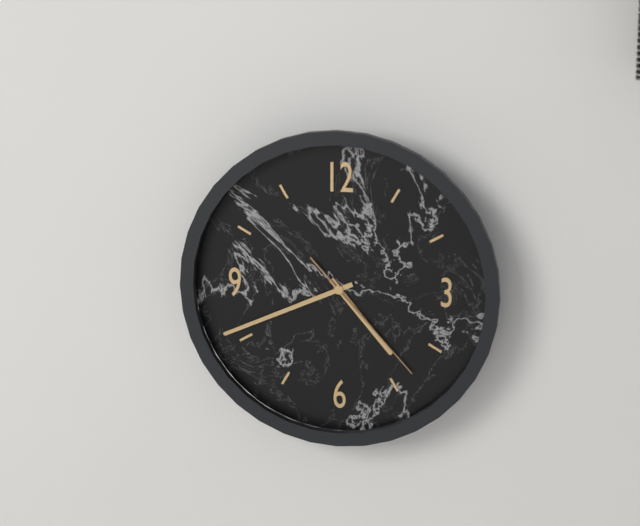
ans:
**4:41:23**
